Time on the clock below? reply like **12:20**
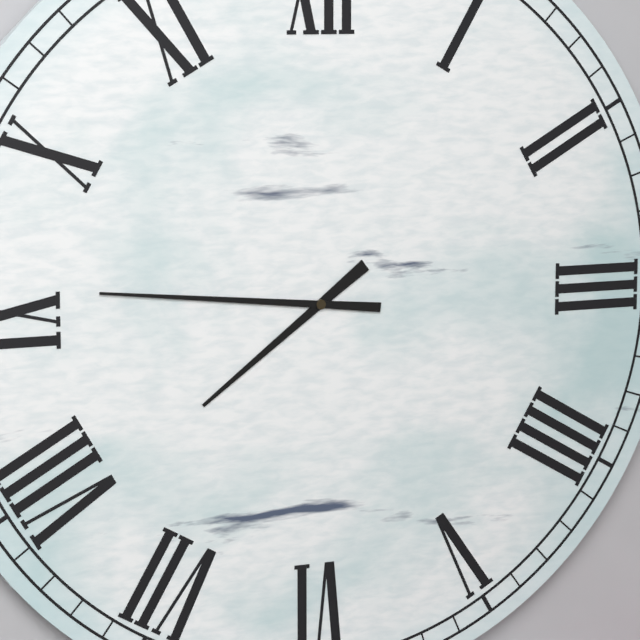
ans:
**7:46**
